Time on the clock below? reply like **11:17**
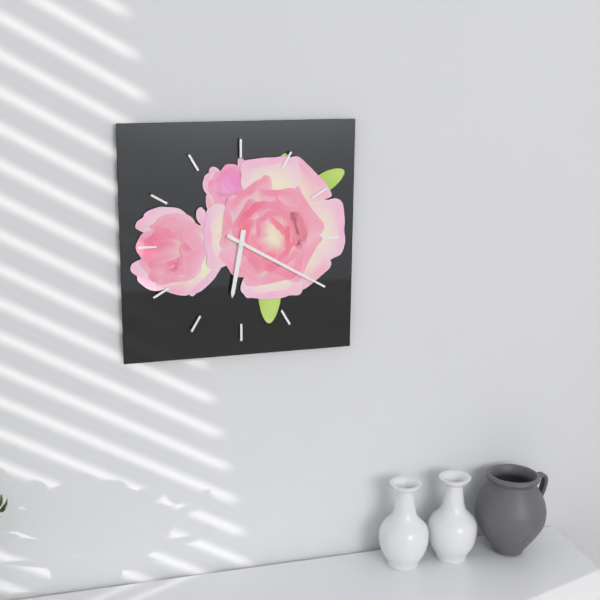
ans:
**6:20**
